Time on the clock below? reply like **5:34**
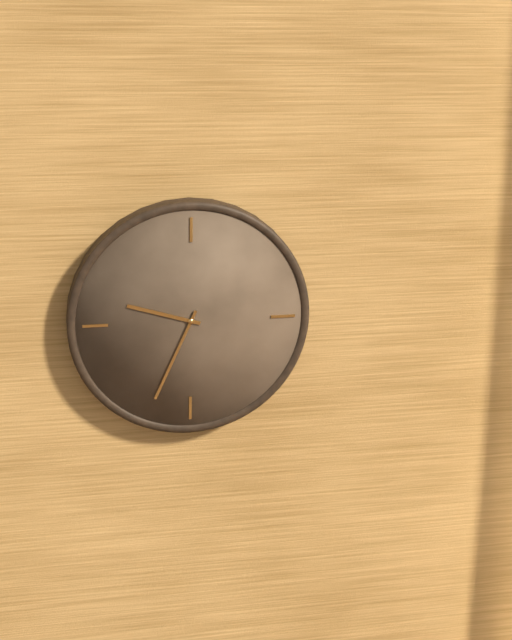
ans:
**9:34**
